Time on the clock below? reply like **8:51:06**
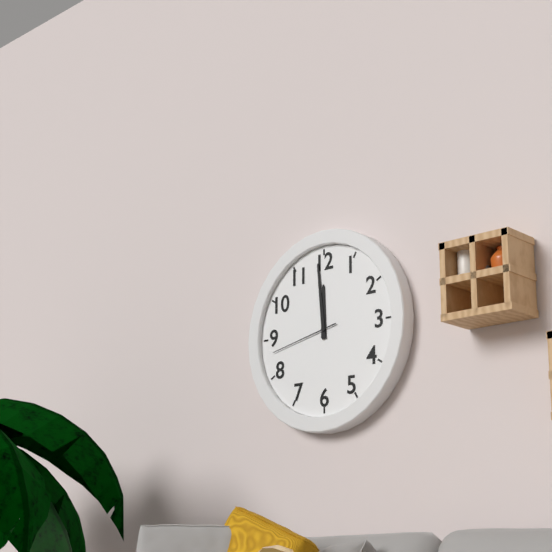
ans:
**11:59:43**
